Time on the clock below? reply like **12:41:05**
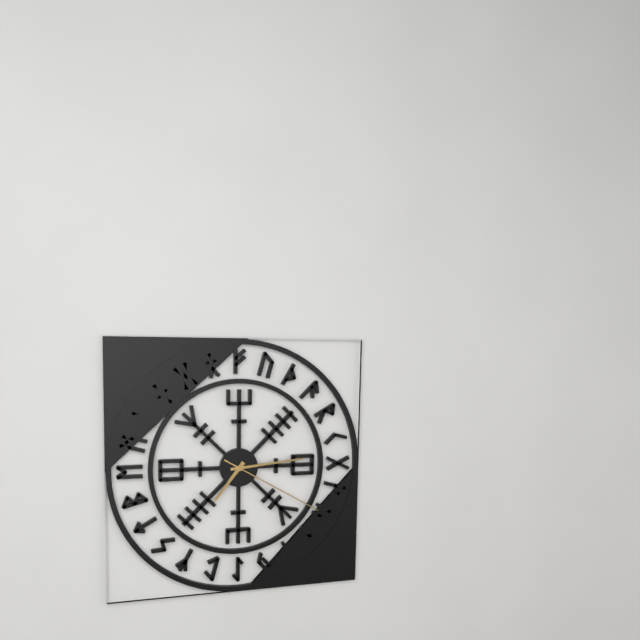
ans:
**7:14:20**
